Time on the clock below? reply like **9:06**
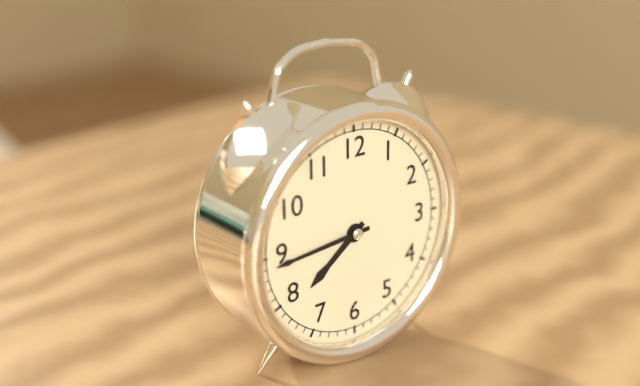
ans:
**7:44**
